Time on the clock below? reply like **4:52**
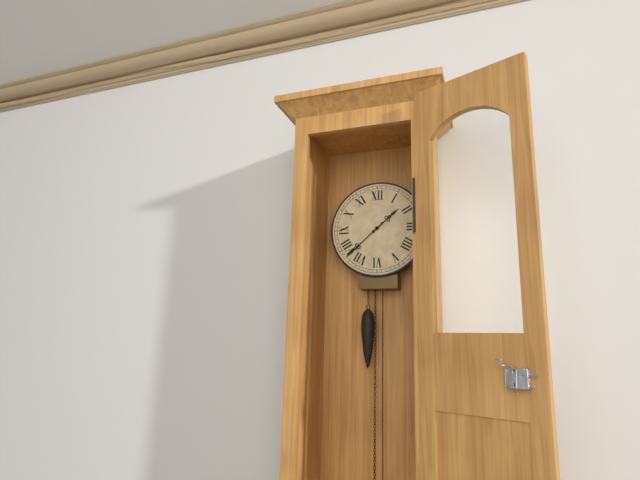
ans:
**1:38**
